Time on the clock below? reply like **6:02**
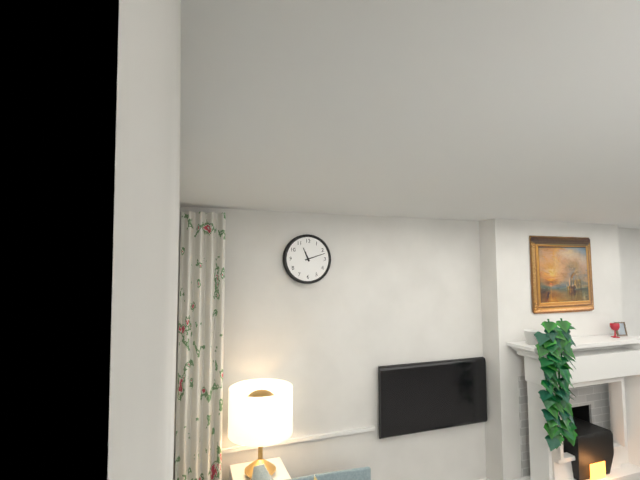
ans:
**11:12**
